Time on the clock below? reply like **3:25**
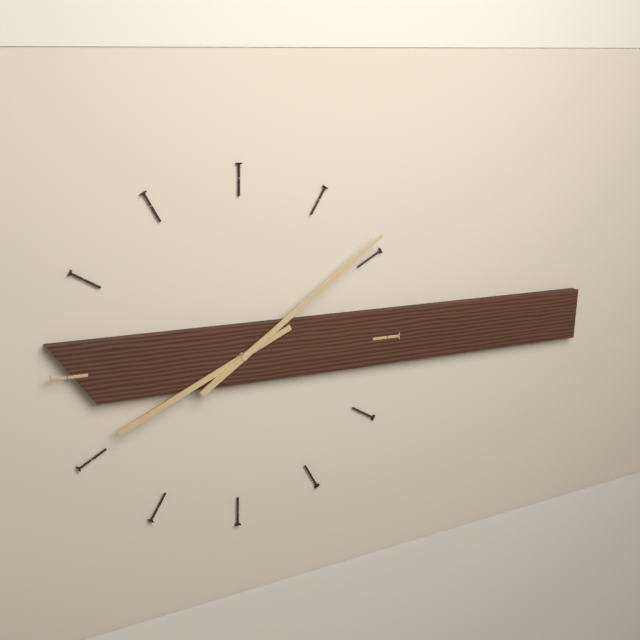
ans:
**8:09**
